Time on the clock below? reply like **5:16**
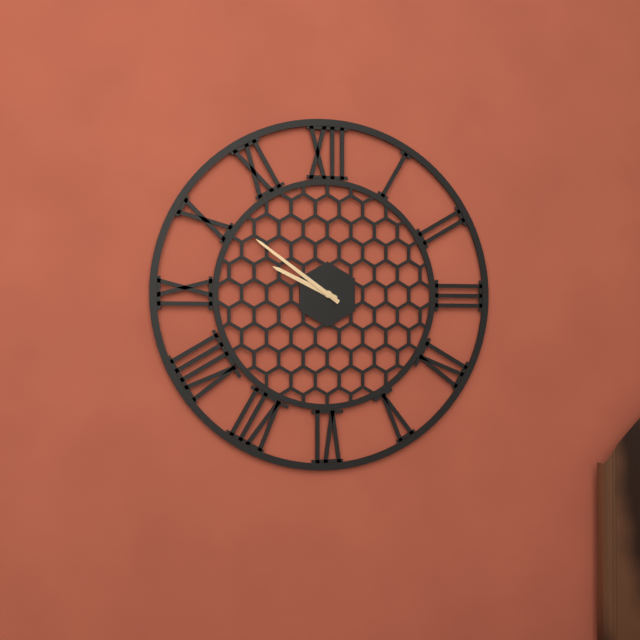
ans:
**9:51**
